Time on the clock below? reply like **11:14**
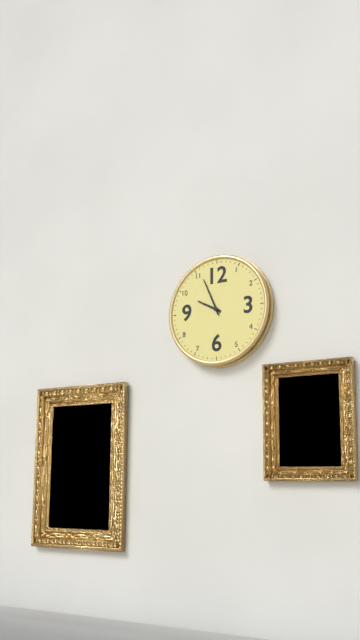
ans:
**9:56**
